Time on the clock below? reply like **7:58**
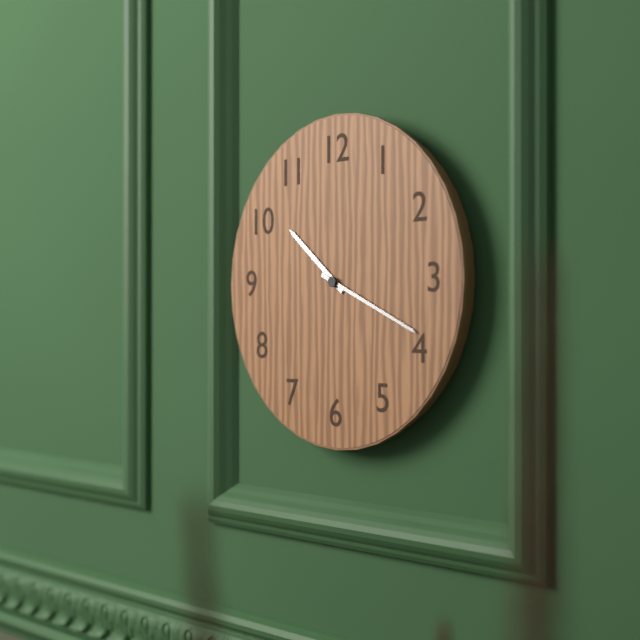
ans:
**10:19**
